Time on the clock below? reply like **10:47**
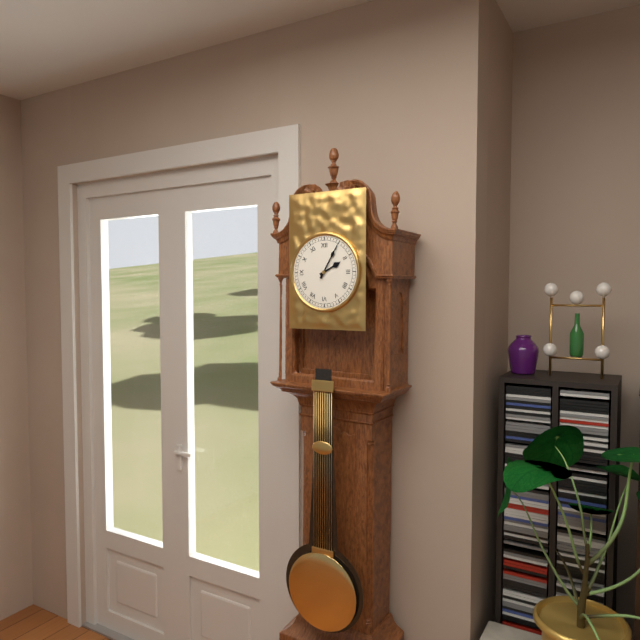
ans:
**2:05**
